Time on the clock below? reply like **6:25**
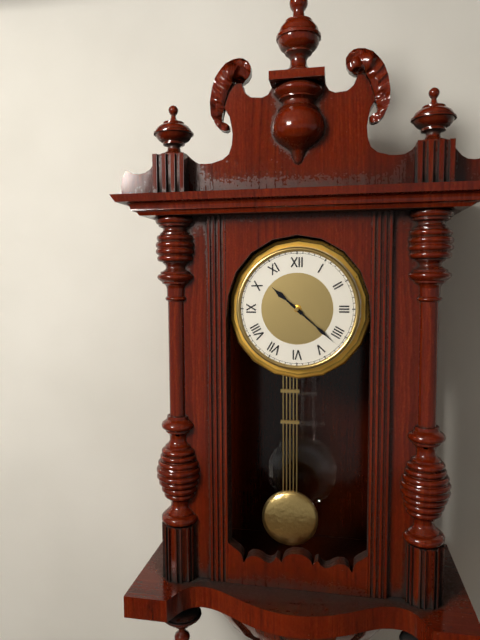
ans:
**10:22**
